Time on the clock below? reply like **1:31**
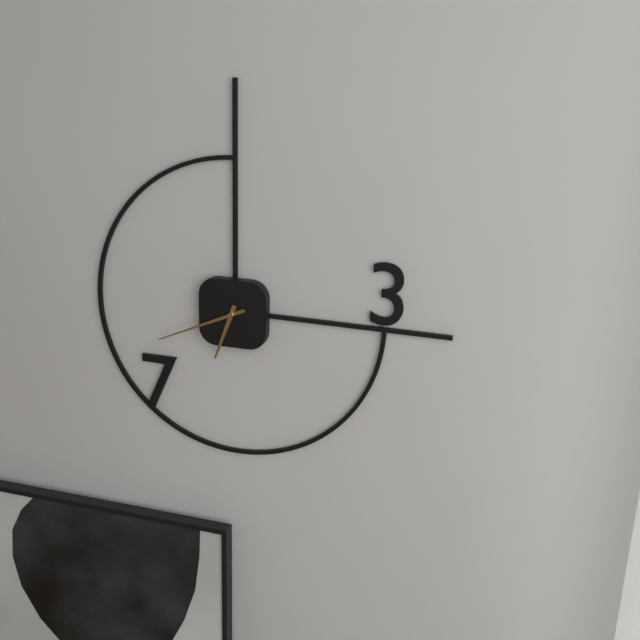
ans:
**6:41**
